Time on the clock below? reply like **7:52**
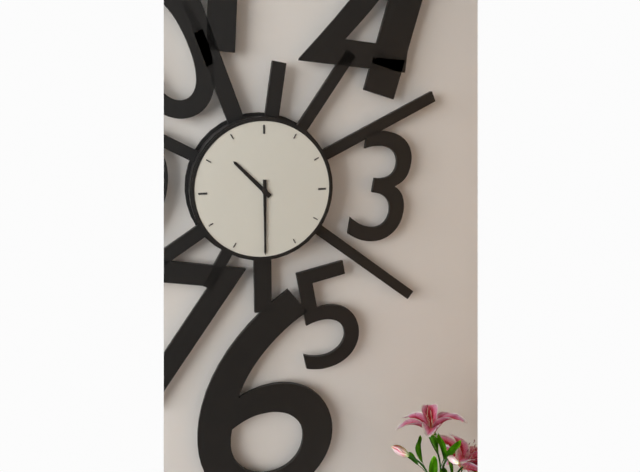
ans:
**10:30**
